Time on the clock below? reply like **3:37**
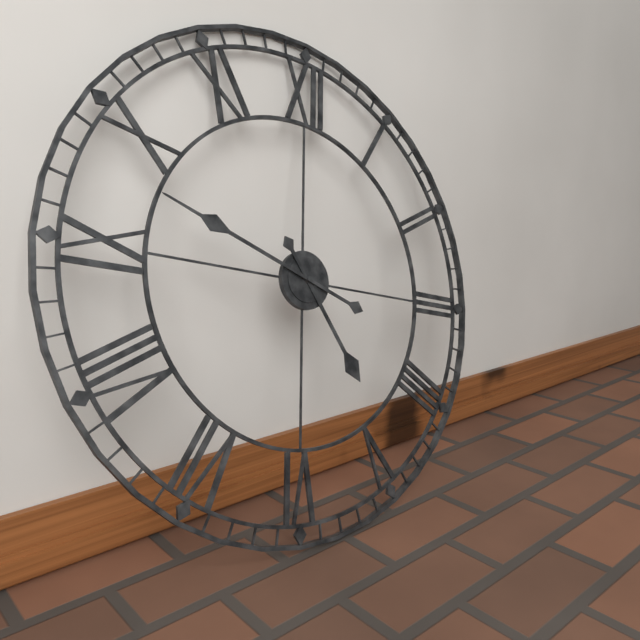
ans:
**4:48**
